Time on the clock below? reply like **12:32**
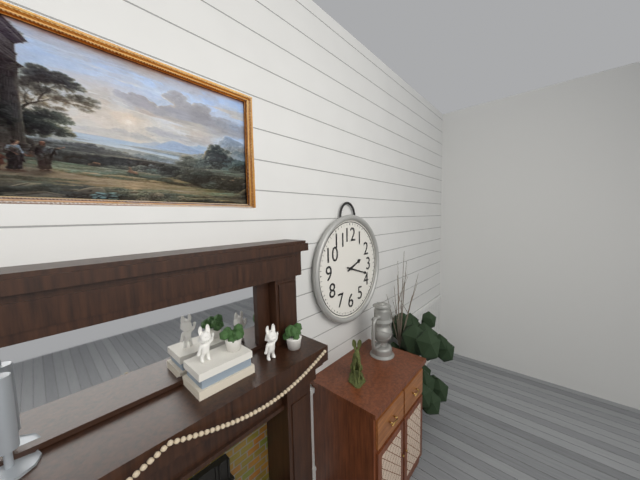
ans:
**2:18**
